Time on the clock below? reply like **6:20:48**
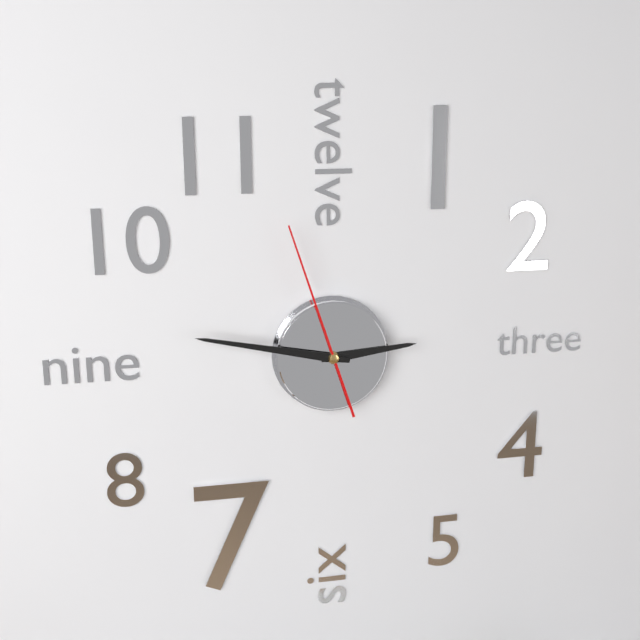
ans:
**2:47:57**
